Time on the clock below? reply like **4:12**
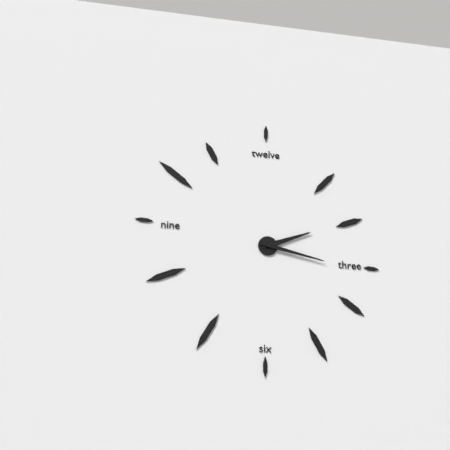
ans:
**2:17**
